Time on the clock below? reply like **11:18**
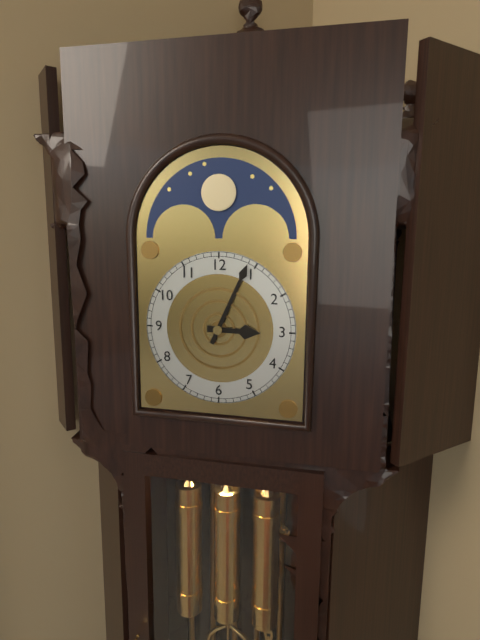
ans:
**3:04**
